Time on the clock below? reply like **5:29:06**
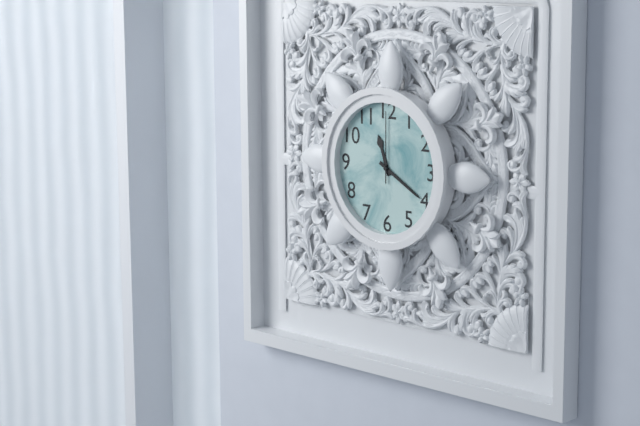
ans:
**11:20:00**
